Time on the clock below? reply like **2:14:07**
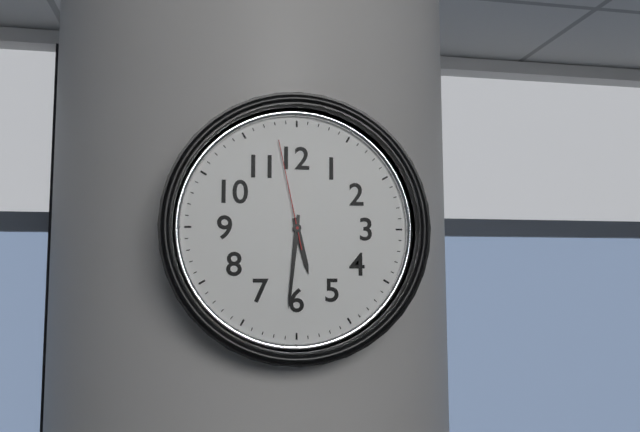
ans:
**5:31:58**
